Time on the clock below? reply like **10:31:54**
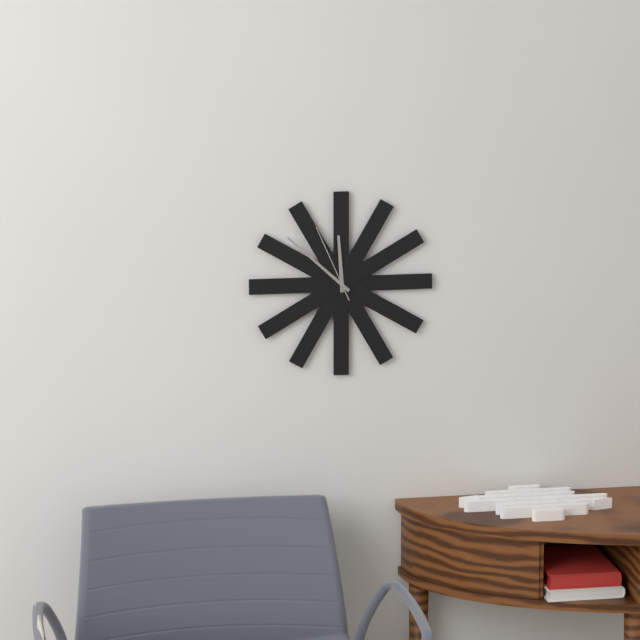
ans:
**11:52:56**
